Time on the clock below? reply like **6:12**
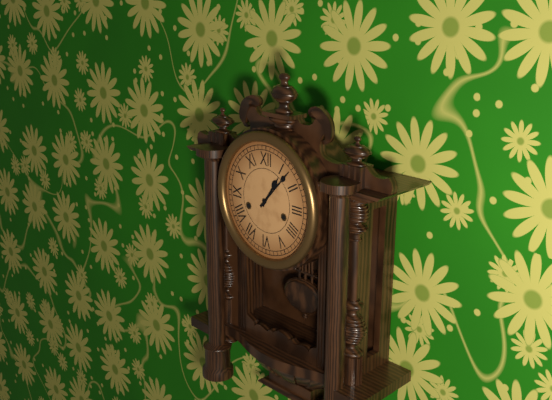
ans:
**1:07**
